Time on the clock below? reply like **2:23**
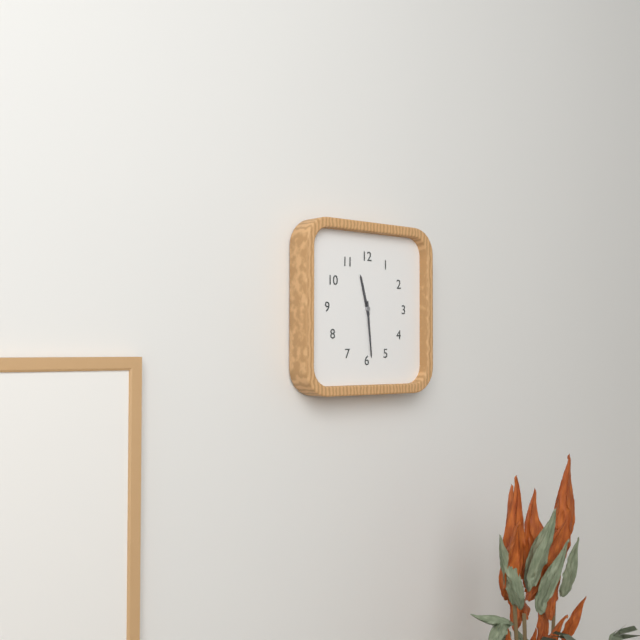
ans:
**11:29**
